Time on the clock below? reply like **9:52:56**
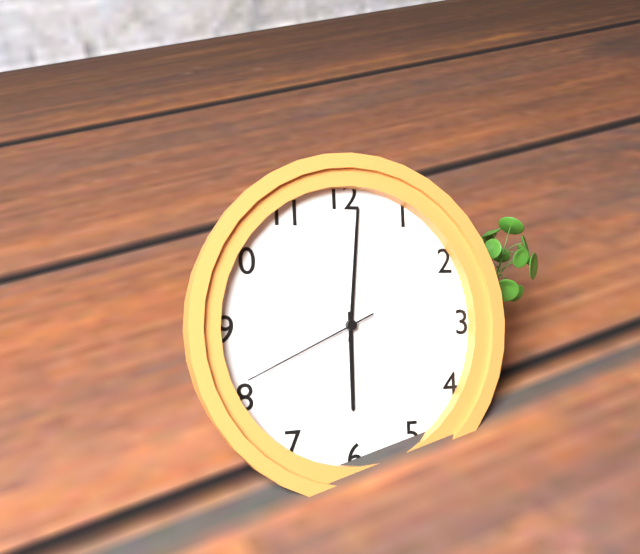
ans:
**6:01:41**
